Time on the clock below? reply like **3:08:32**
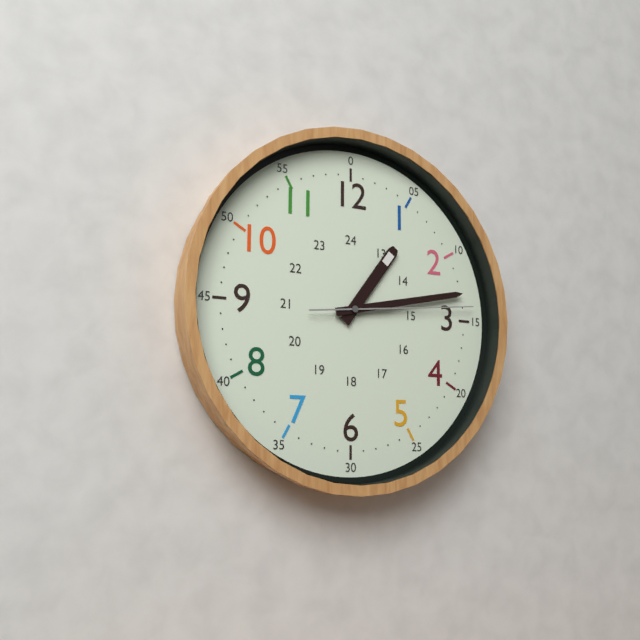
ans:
**1:13:14**
